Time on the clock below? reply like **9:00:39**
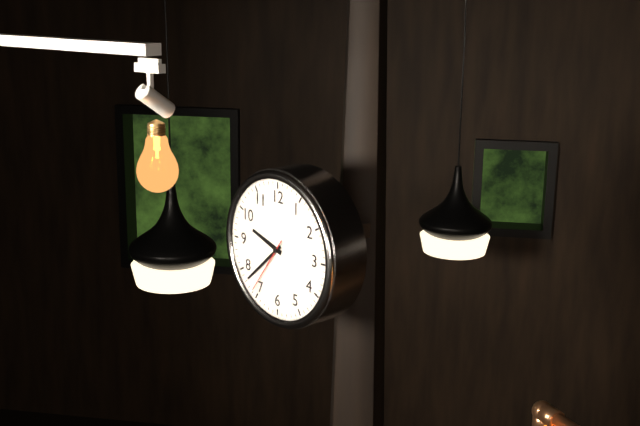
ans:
**9:38:36**
